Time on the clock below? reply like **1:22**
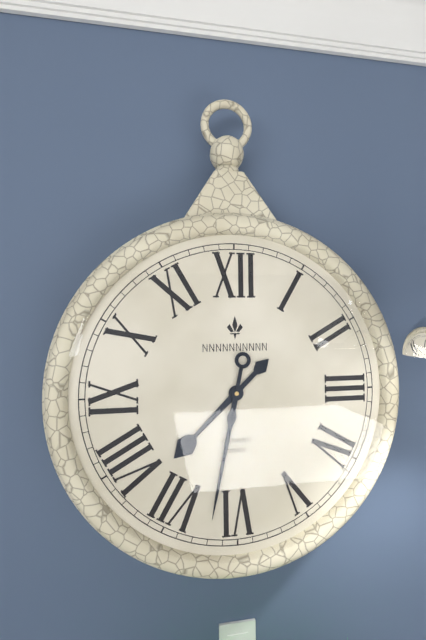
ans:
**7:32**
